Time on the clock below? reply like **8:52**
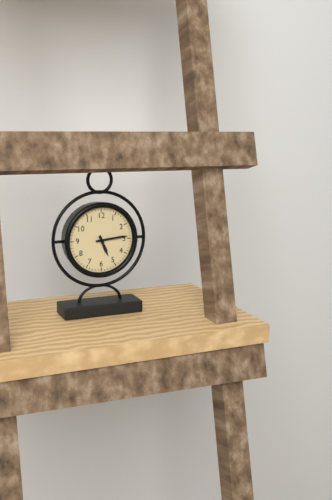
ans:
**5:14**
